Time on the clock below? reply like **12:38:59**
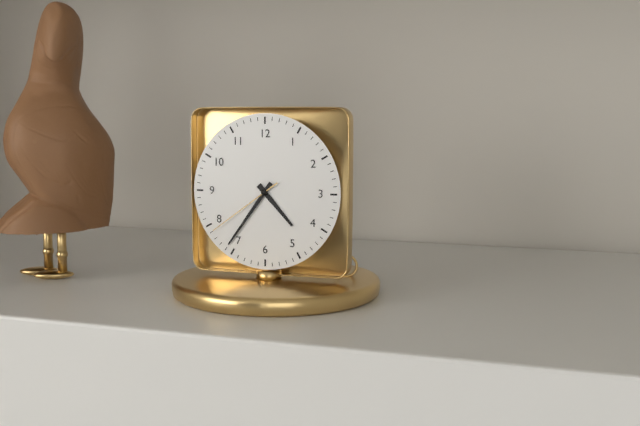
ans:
**4:36:39**
